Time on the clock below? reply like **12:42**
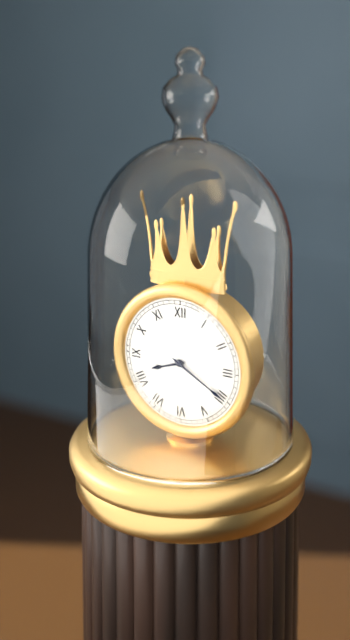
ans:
**8:20**
